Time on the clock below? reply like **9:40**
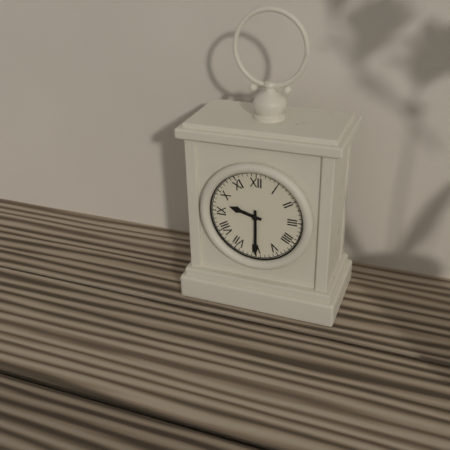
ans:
**9:30**
